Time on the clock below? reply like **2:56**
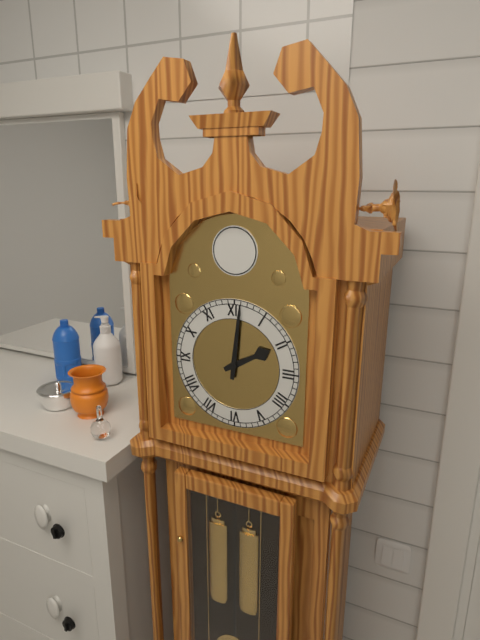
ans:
**2:01**
